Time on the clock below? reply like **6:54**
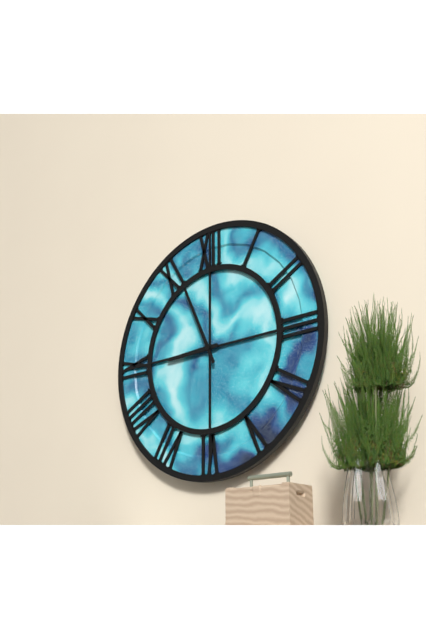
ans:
**8:56**
